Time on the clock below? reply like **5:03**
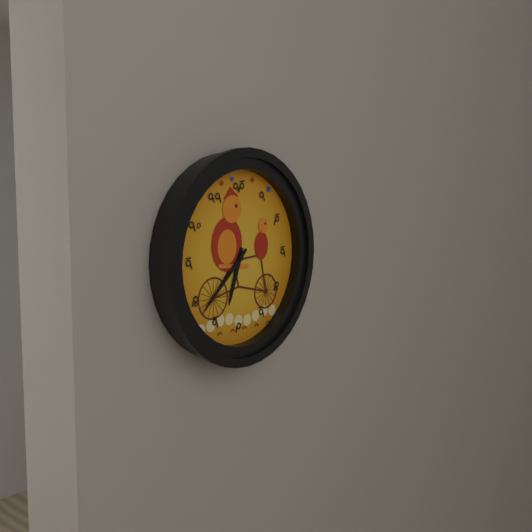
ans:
**6:38**
